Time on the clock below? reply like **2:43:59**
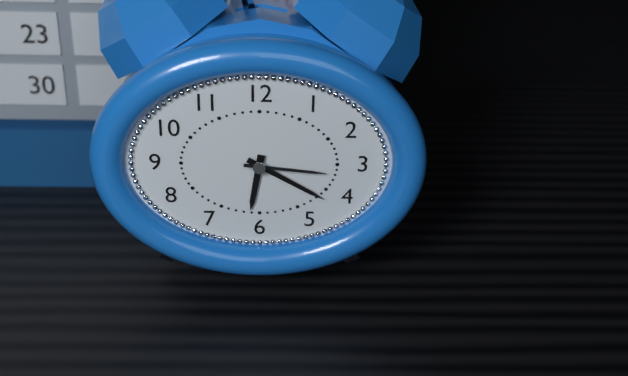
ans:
**6:20:16**
